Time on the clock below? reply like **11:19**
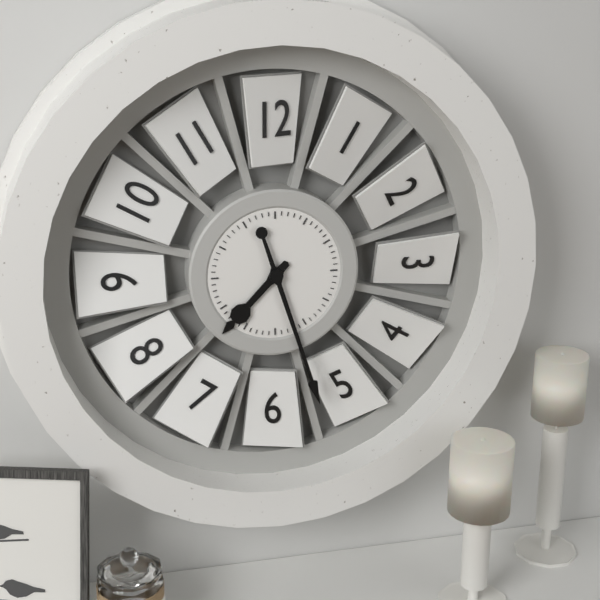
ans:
**7:27**
